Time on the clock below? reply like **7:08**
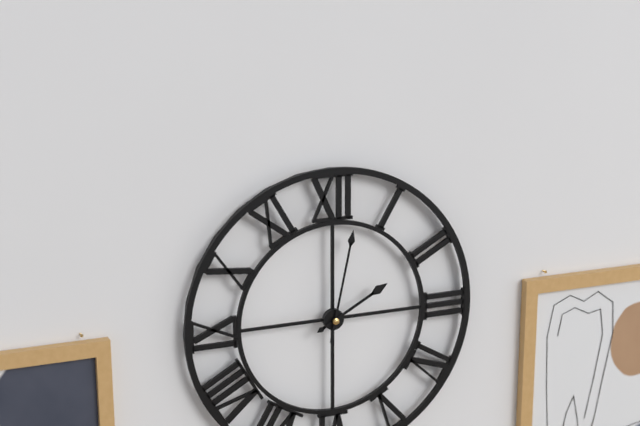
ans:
**2:02**
